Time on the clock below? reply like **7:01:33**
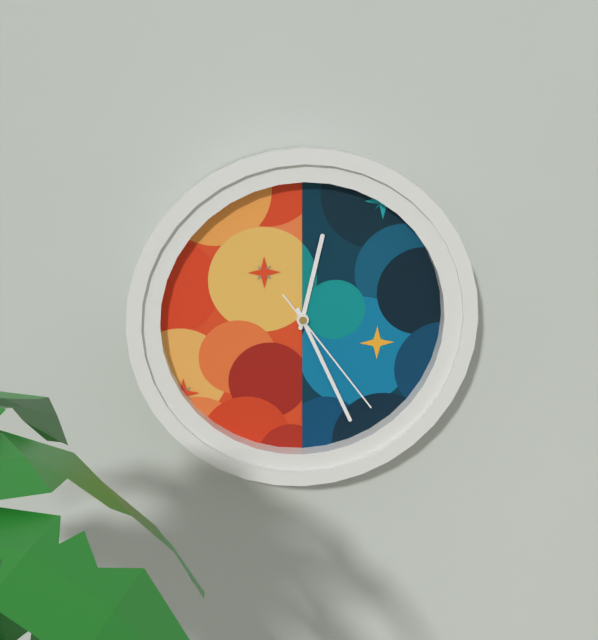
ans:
**12:26:24**
